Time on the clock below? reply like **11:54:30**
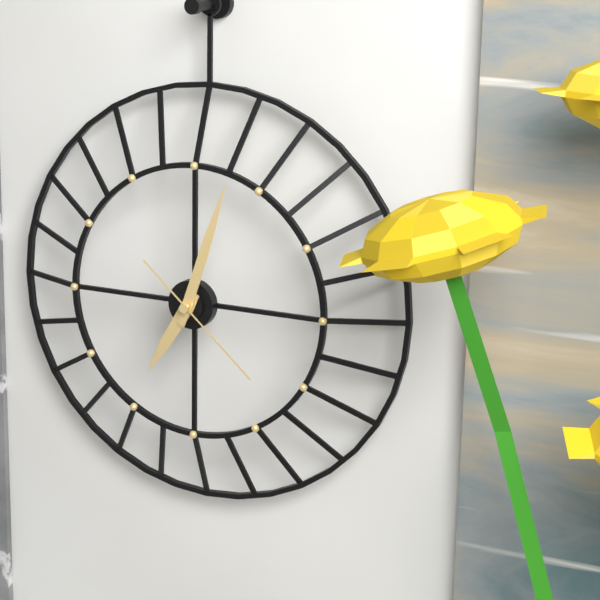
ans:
**7:03:22**
